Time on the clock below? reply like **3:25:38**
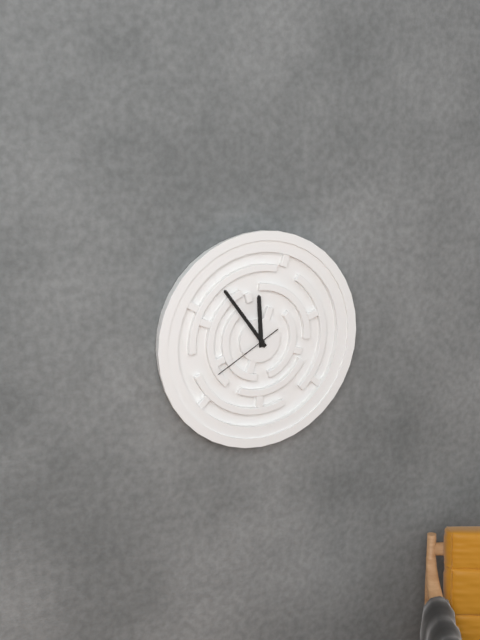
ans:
**11:54:40**
